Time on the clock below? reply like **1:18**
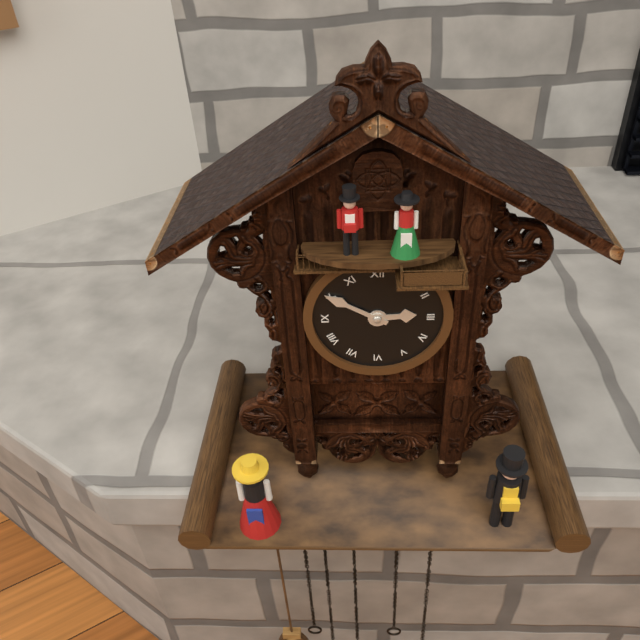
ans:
**2:50**
